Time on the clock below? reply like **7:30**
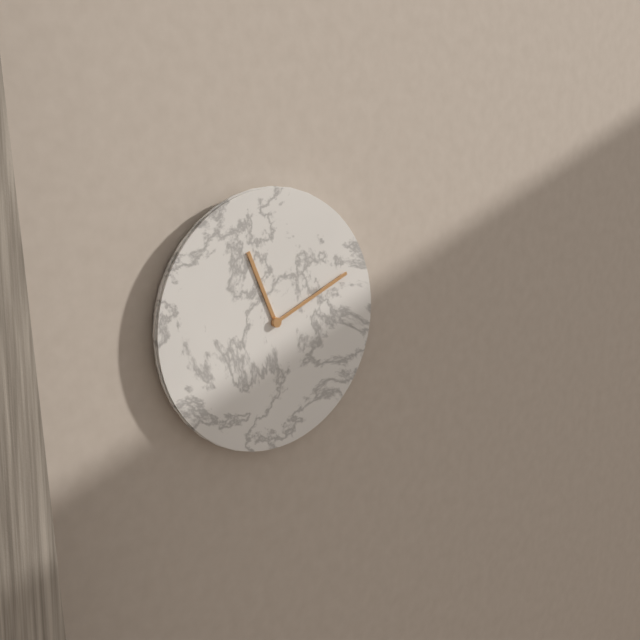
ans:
**11:11**
